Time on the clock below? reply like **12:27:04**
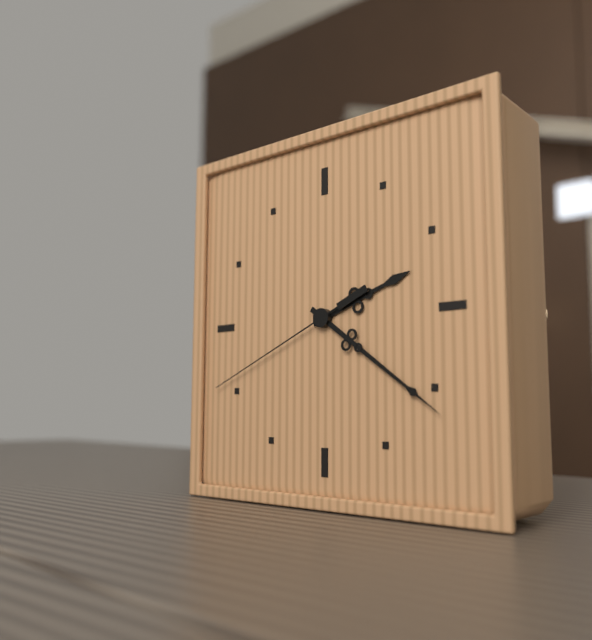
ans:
**2:21:41**
